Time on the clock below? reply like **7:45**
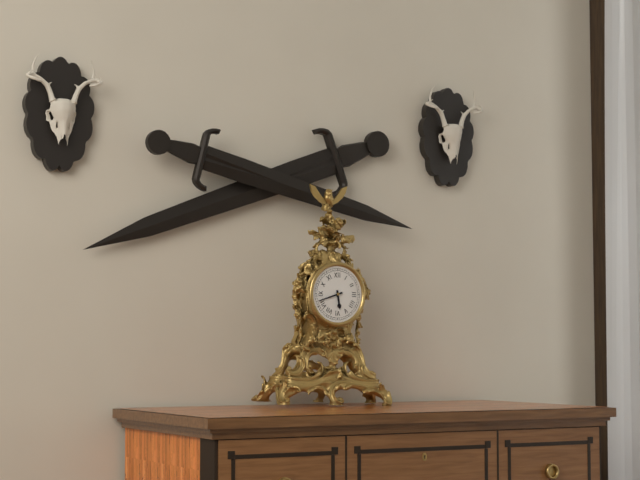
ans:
**5:42**
